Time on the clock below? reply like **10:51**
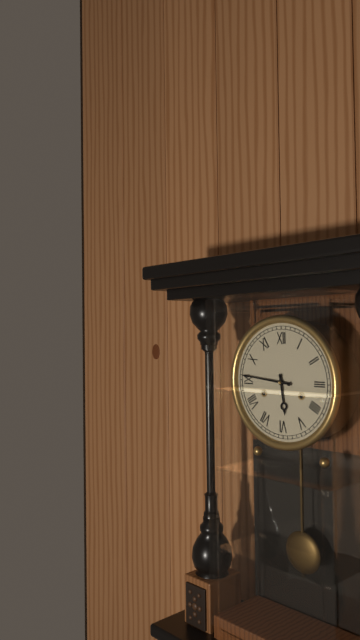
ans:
**5:46**
